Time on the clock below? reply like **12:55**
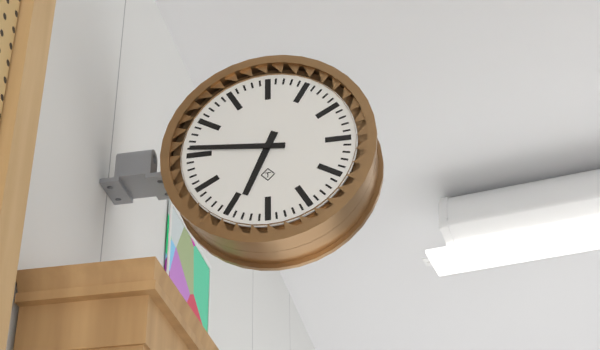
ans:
**6:46**
